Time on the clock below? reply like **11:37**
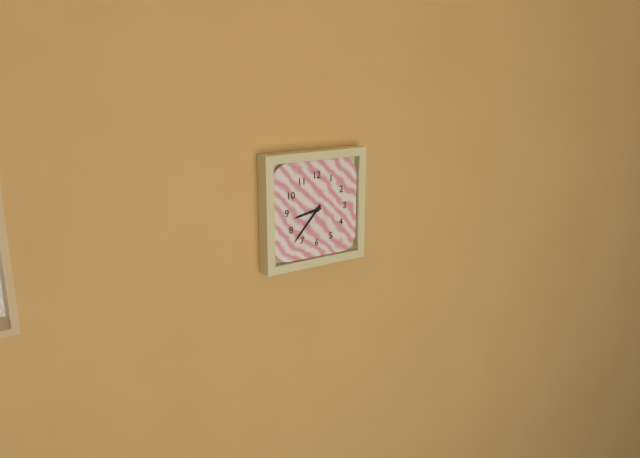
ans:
**8:37**
